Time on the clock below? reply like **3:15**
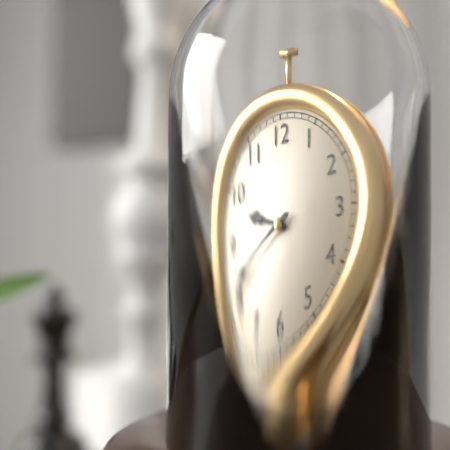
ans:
**9:41**
